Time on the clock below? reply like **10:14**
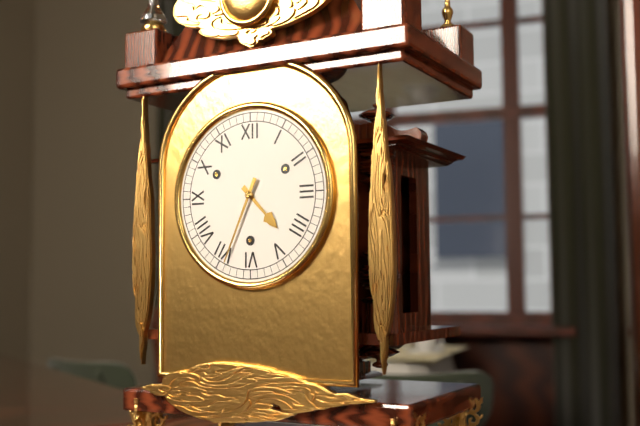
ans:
**4:34**
